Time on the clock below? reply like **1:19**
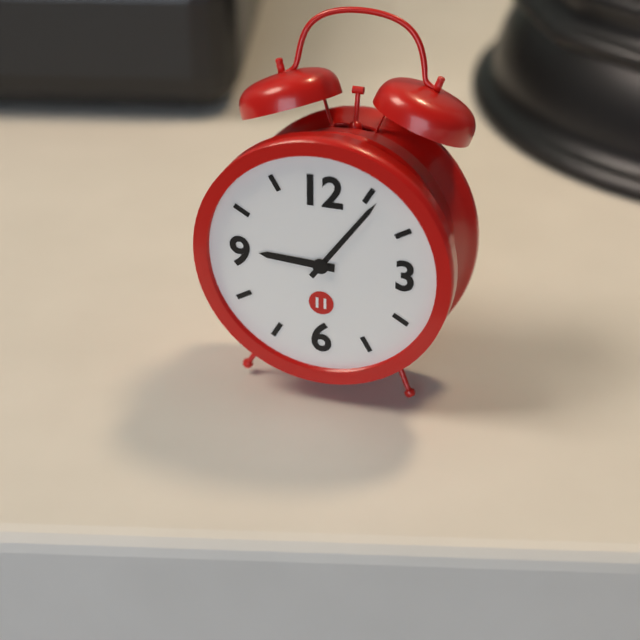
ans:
**9:06**
